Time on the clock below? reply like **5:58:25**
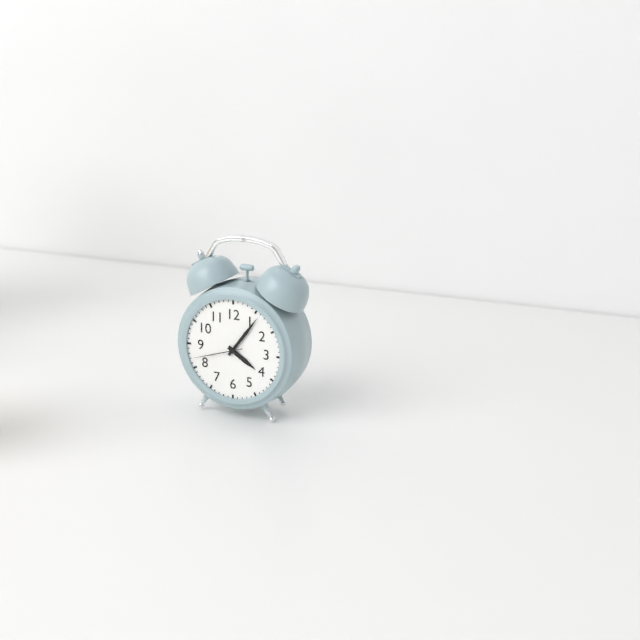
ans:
**4:06:42**
